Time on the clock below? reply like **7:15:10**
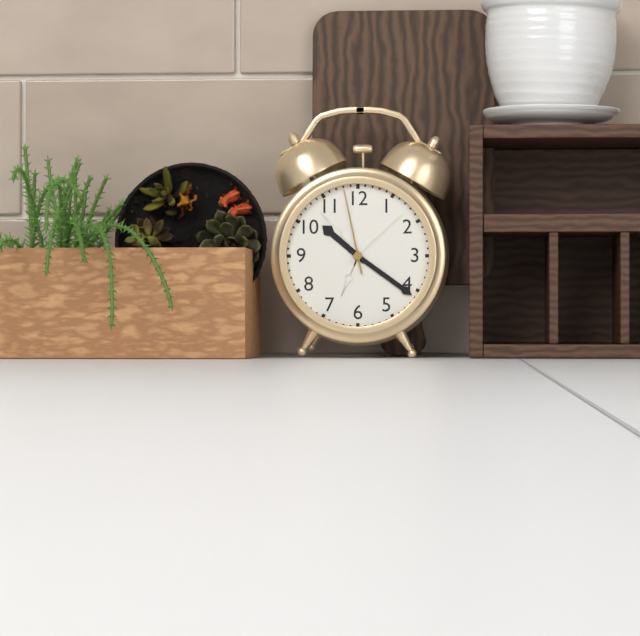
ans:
**10:21:58**
